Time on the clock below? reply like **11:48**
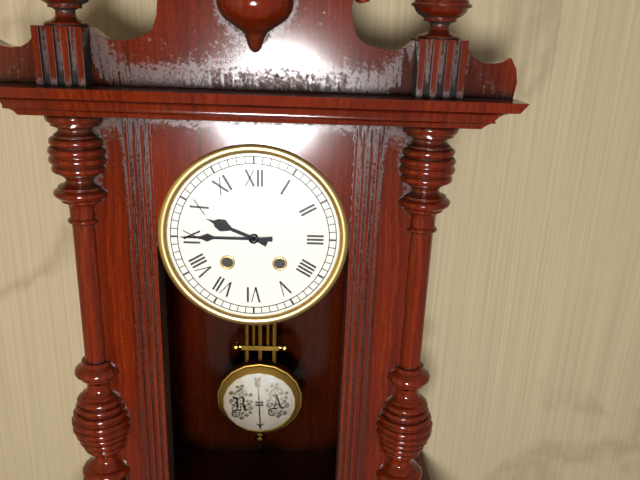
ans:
**9:45**
